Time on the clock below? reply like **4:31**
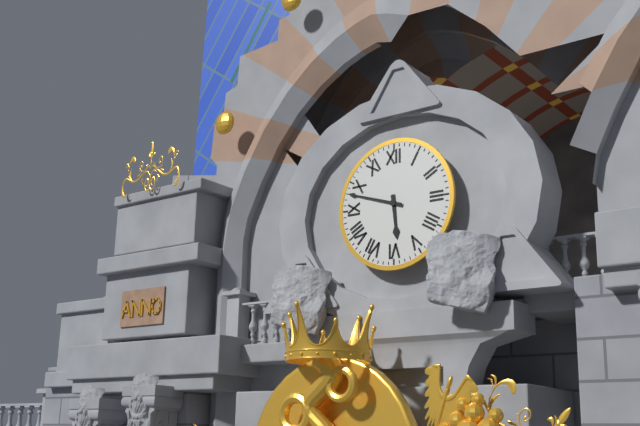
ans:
**5:48**
